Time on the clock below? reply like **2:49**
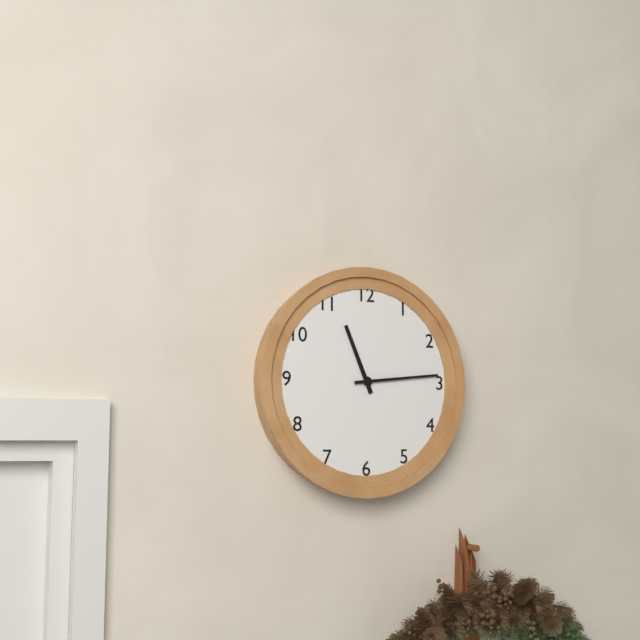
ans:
**11:14**
